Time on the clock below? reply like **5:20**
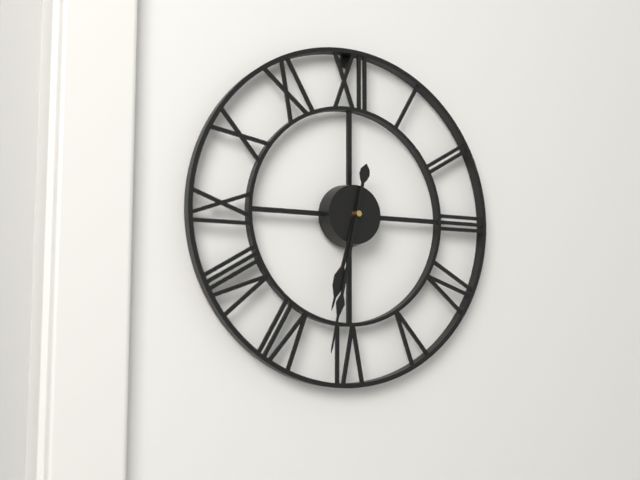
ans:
**6:32**
